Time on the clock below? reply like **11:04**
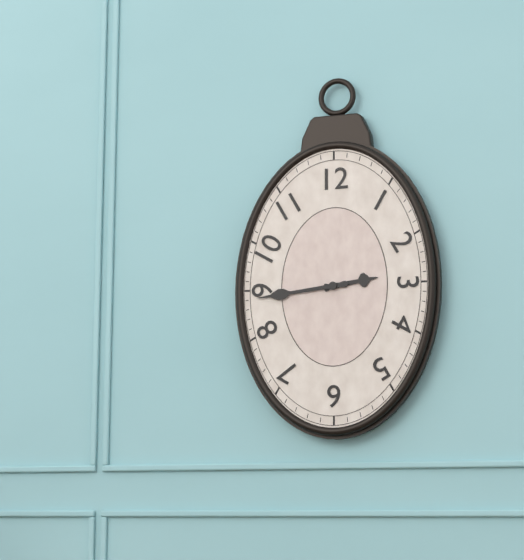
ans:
**2:44**
